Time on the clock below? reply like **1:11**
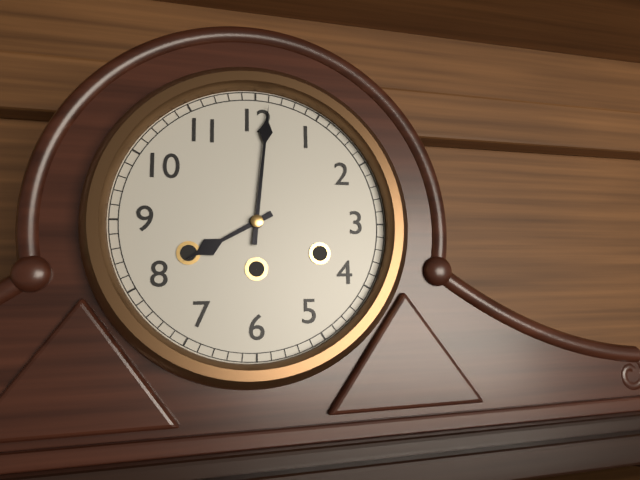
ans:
**8:01**
